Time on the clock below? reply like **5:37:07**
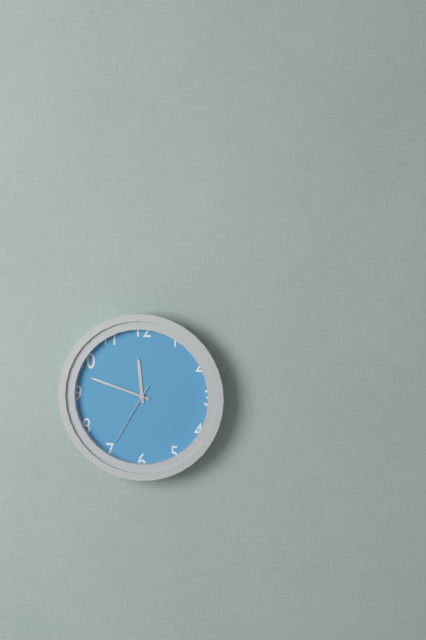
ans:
**11:48:35**
